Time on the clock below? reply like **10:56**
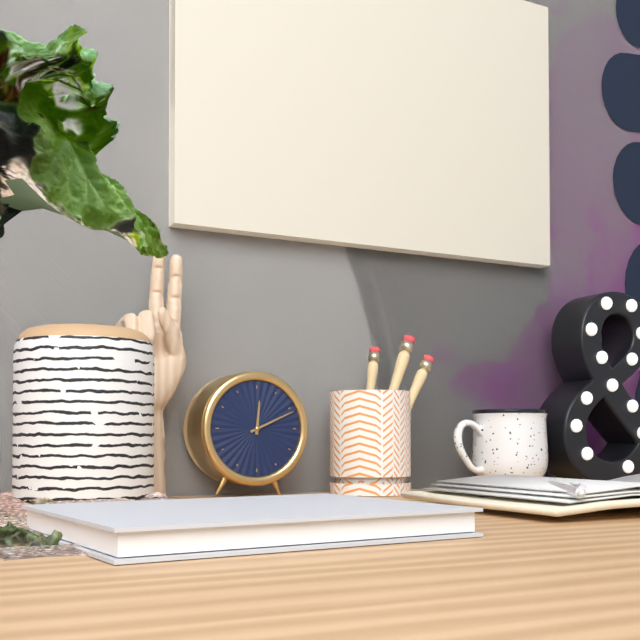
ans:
**12:11**
